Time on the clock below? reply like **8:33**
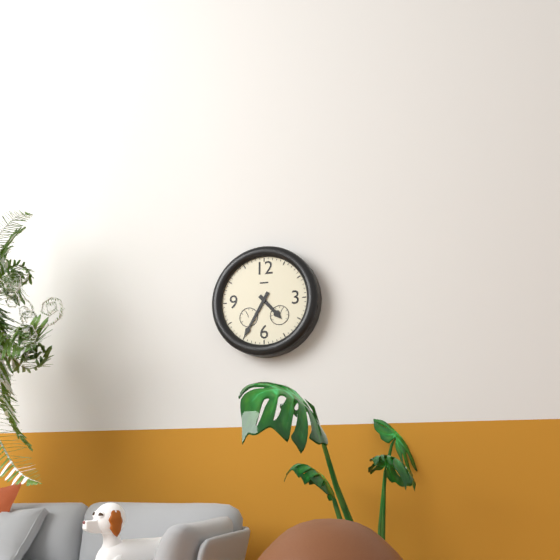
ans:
**4:35**
